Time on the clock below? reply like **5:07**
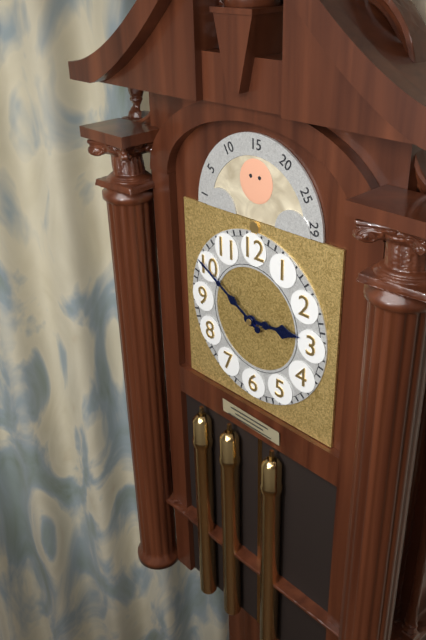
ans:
**2:50**
